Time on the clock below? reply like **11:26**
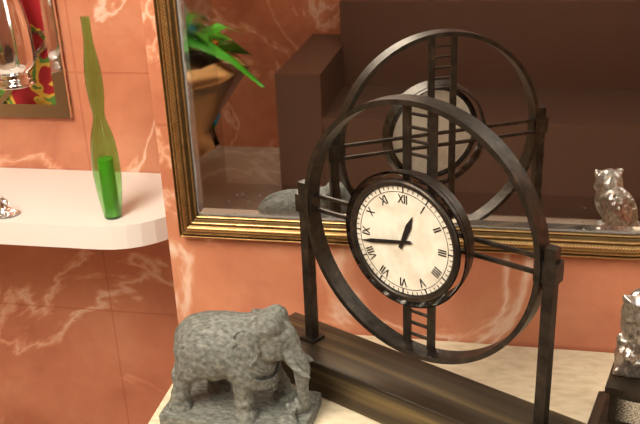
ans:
**12:43**
